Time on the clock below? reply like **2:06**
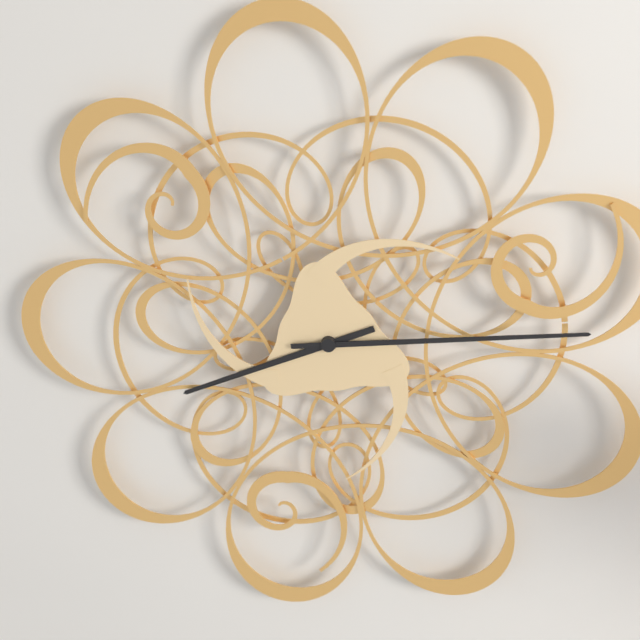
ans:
**8:14**
